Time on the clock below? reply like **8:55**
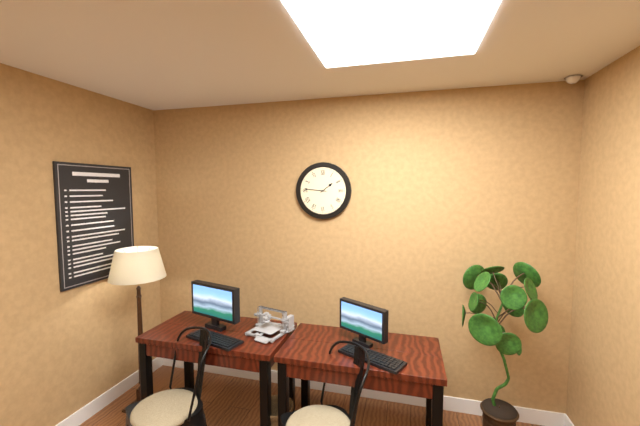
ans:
**1:46**
